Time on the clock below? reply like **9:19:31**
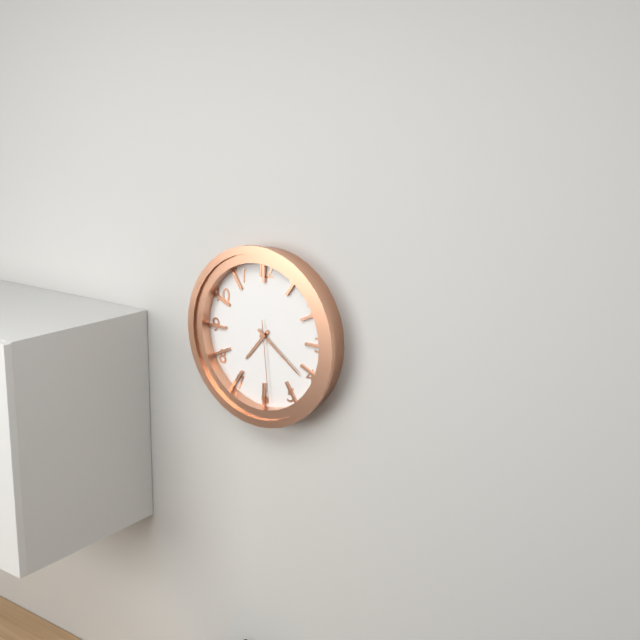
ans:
**7:21:29**
